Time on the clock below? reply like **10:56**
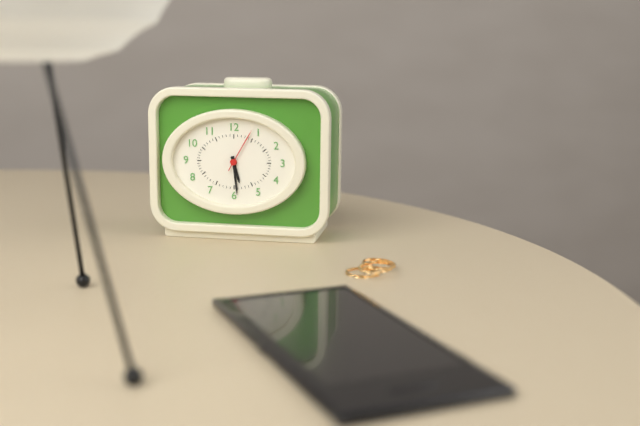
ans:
**5:29**
